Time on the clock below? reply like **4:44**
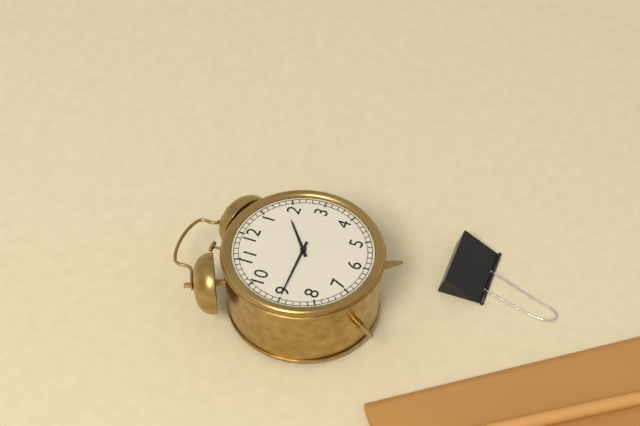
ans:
**1:45**
